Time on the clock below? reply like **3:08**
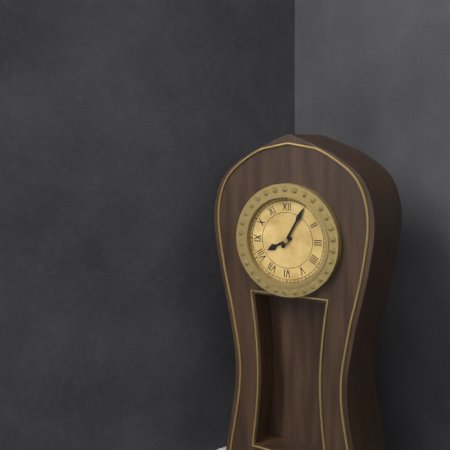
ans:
**8:05**
